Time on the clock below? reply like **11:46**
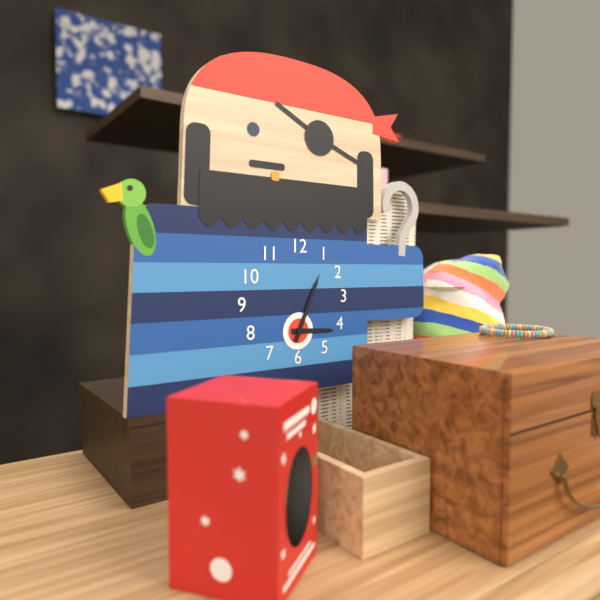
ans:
**3:04**
